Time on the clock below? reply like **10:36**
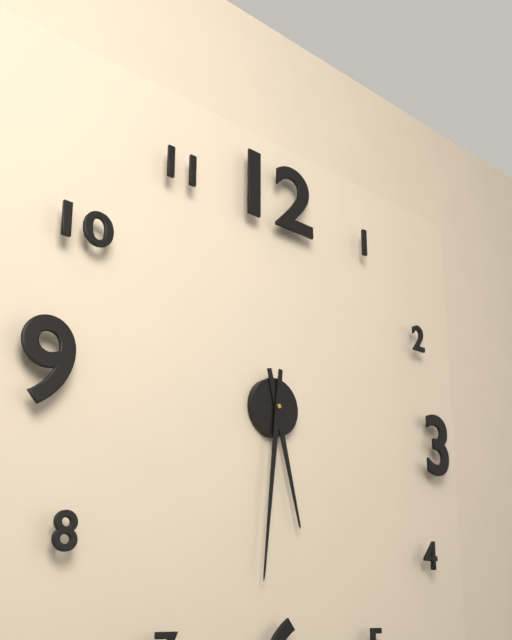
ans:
**5:31**
